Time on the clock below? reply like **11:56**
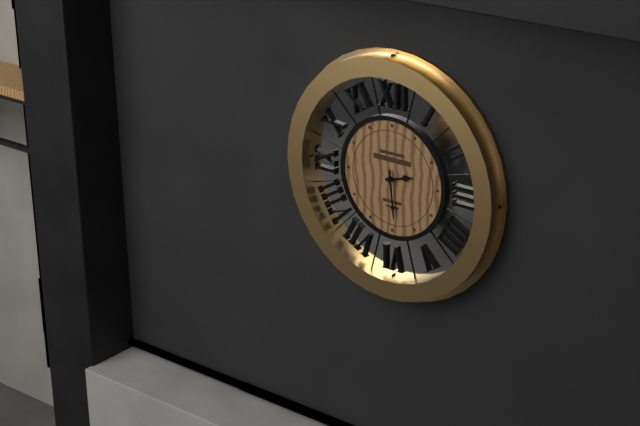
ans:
**2:29**
